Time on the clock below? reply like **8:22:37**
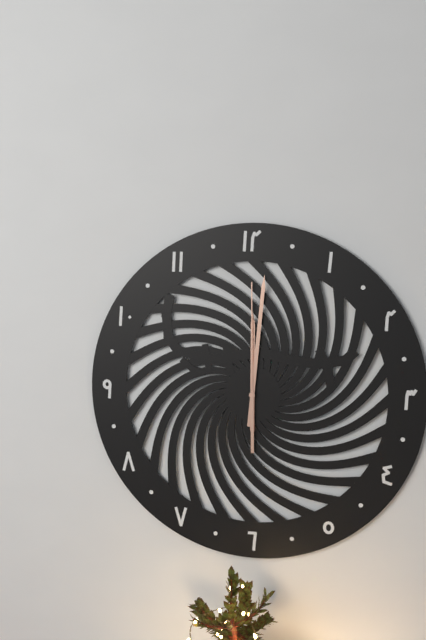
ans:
**12:01:00**
